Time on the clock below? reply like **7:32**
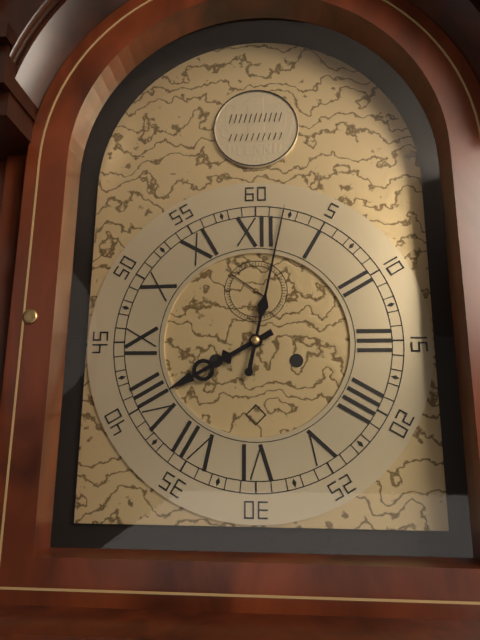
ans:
**8:02**
